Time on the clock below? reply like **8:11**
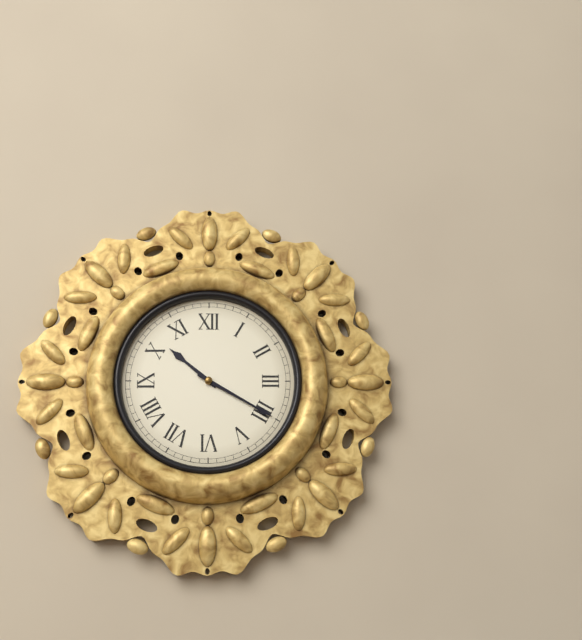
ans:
**10:20**
